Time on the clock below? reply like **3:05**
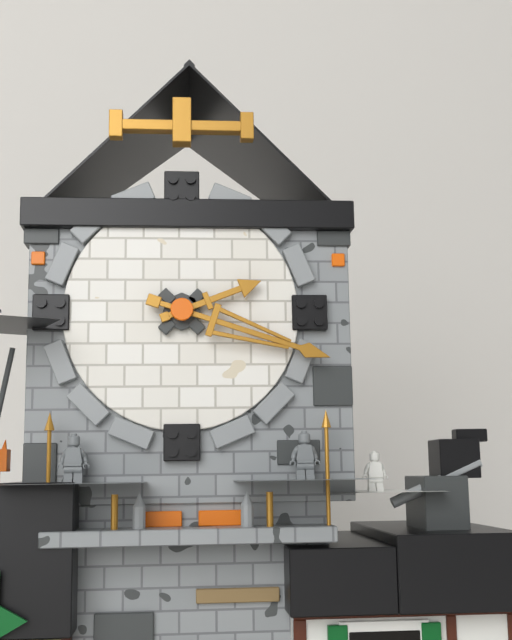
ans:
**2:18**
